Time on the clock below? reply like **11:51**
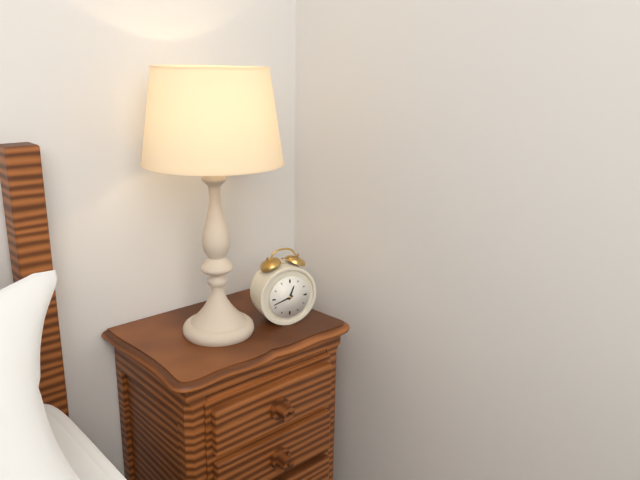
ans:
**12:42**
